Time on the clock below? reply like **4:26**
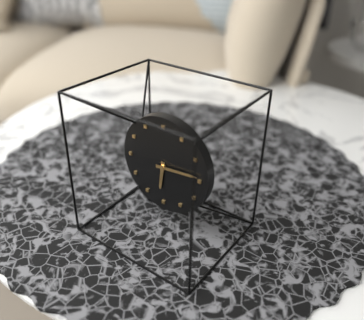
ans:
**6:14**
